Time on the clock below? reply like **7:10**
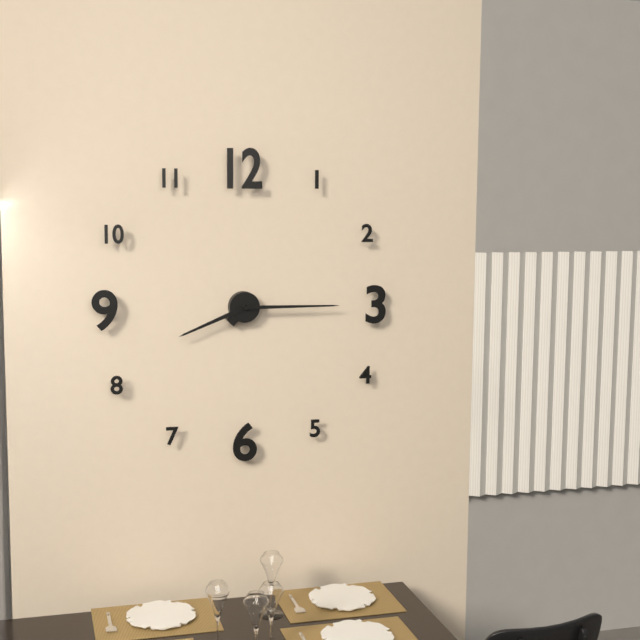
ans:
**8:15**
